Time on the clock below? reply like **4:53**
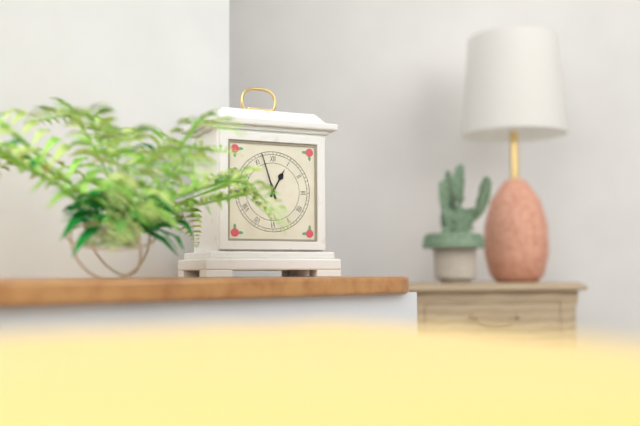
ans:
**12:57**
